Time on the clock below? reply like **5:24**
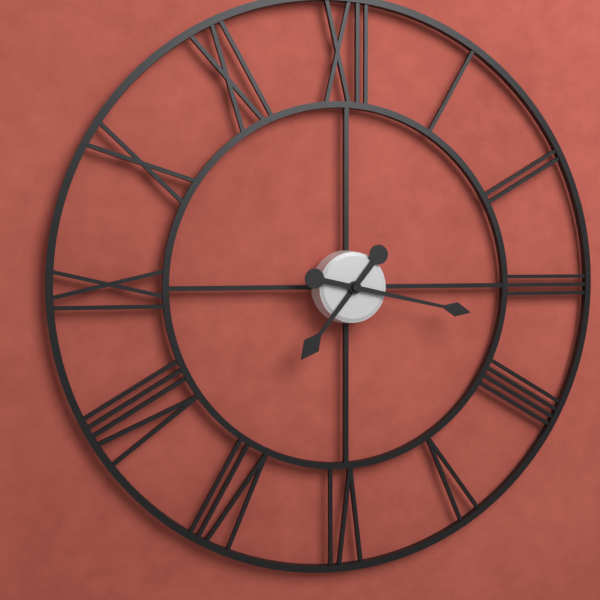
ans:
**7:17**
